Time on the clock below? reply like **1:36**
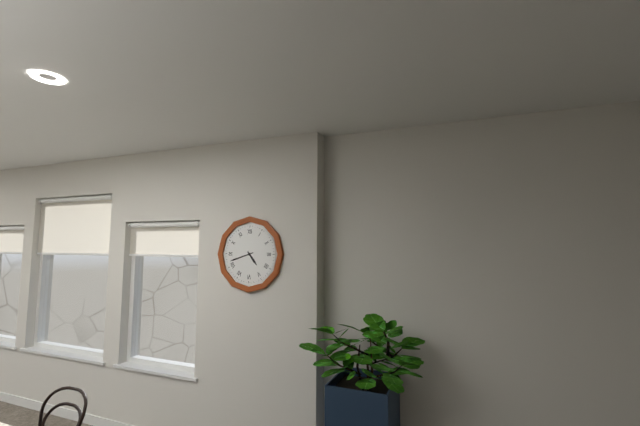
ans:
**4:42**
